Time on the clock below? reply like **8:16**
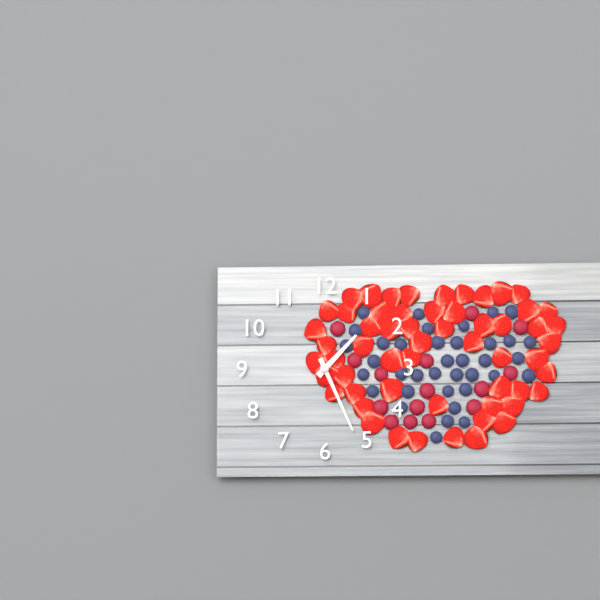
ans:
**1:26**
